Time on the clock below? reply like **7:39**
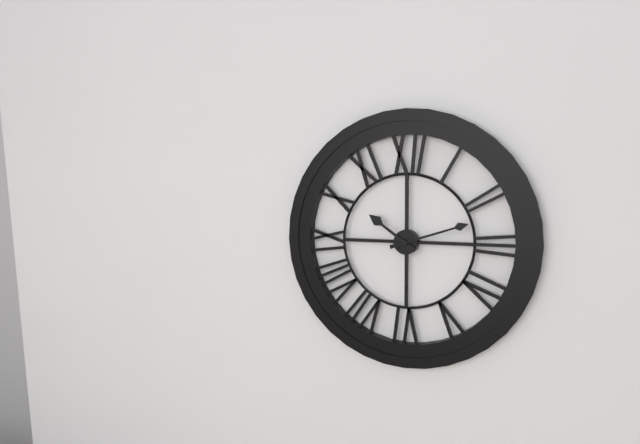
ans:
**10:12**
